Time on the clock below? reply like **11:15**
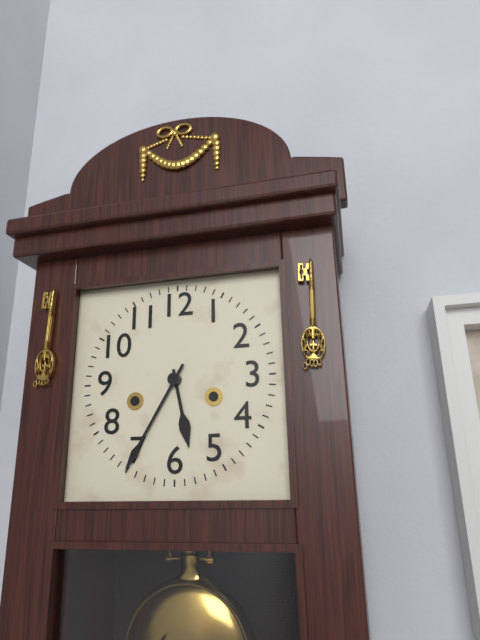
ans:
**5:35**
